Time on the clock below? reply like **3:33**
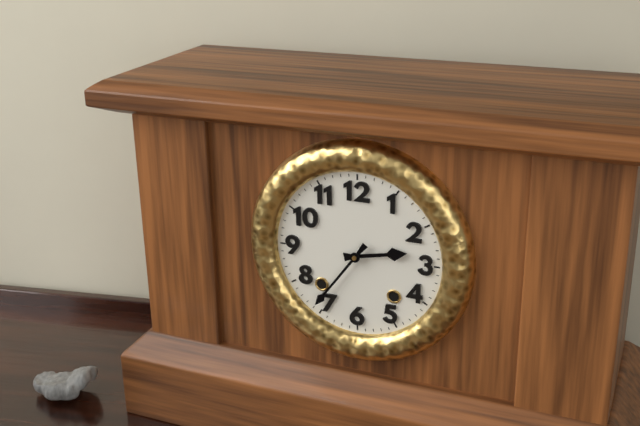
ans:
**2:36**
